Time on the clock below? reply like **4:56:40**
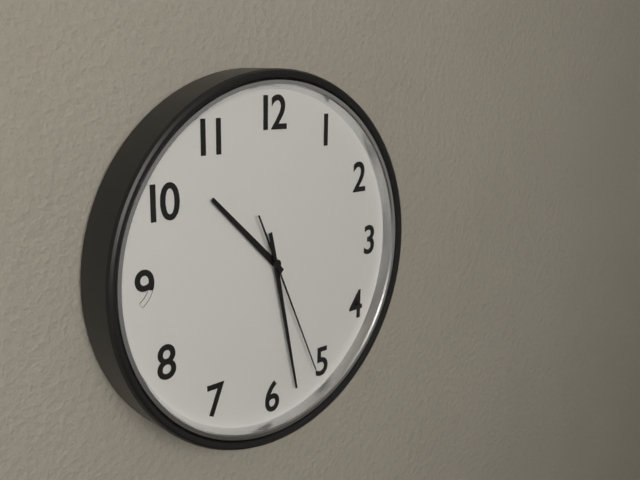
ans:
**10:28:26**
